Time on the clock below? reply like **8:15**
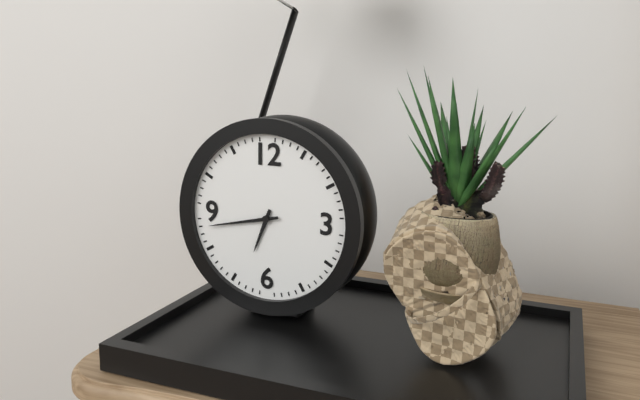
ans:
**6:43**
